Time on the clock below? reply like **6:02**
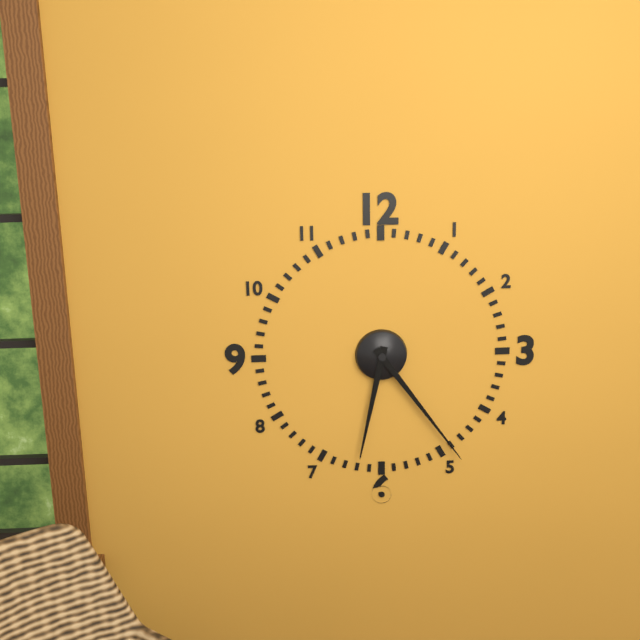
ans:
**6:24**
